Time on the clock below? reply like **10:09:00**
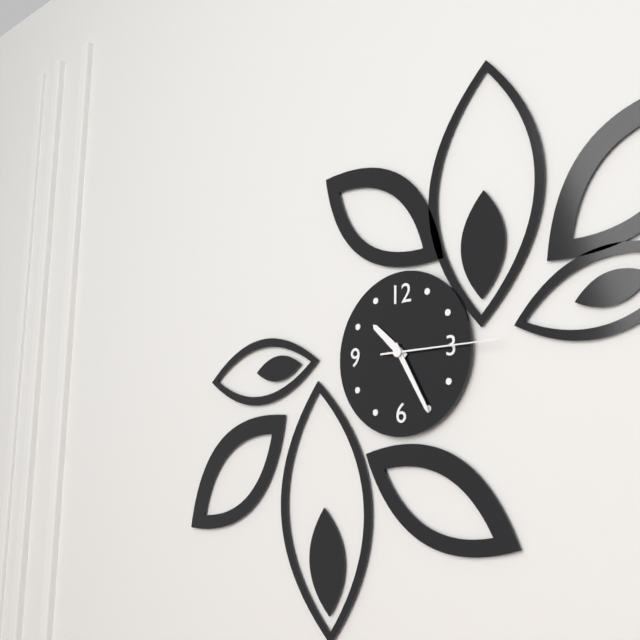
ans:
**10:25:15**
